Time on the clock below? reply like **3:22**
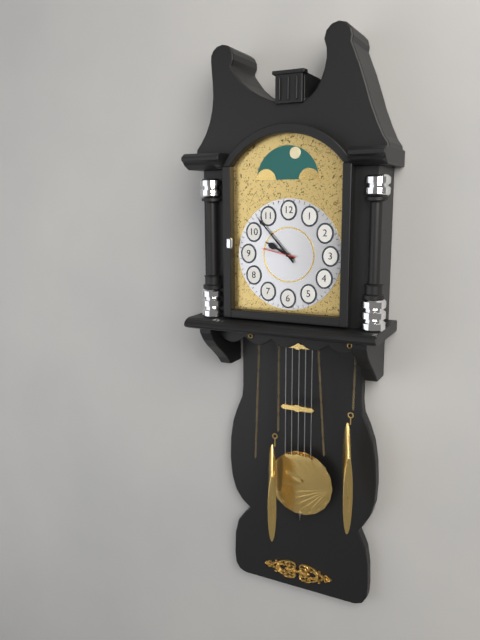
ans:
**9:53**
